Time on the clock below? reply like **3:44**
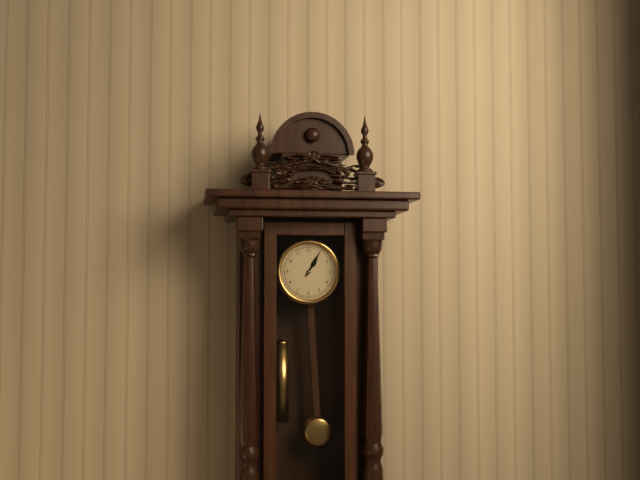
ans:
**1:05**
